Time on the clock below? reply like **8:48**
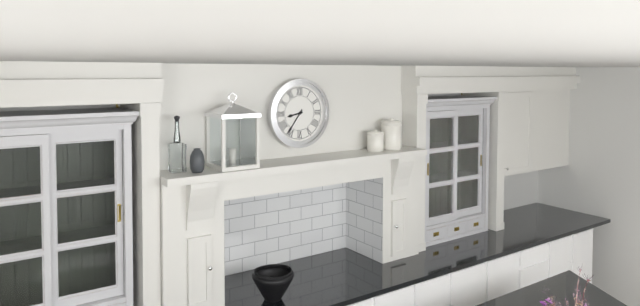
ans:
**8:36**
